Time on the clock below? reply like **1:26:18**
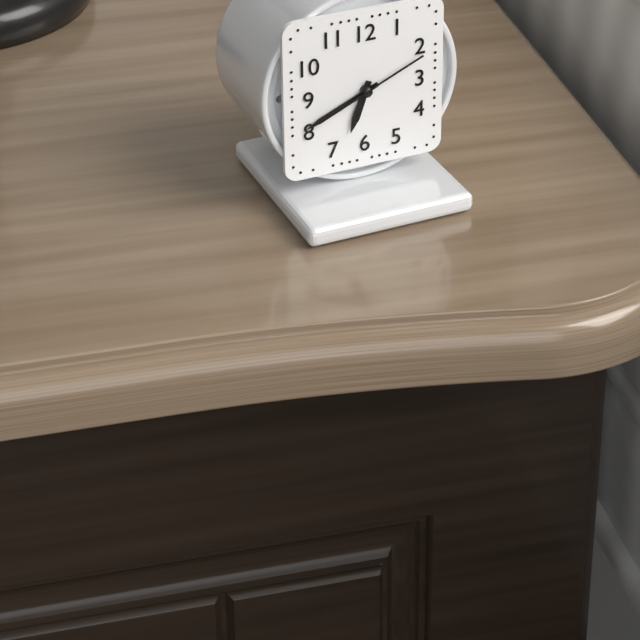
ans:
**6:41:11**
